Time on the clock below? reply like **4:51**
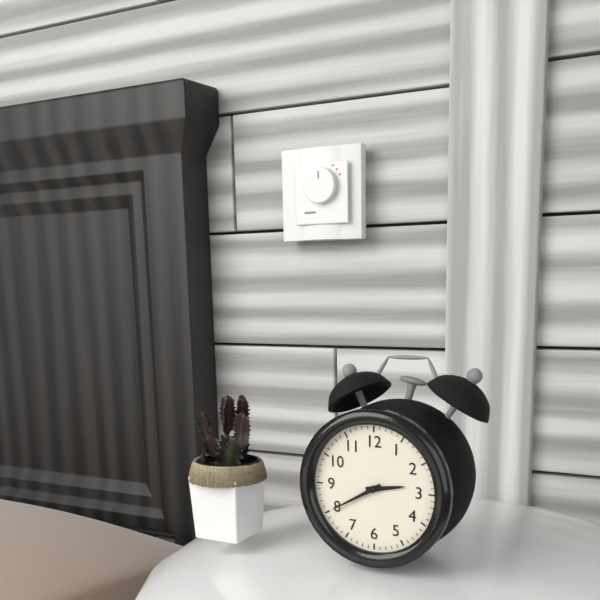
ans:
**2:40**
